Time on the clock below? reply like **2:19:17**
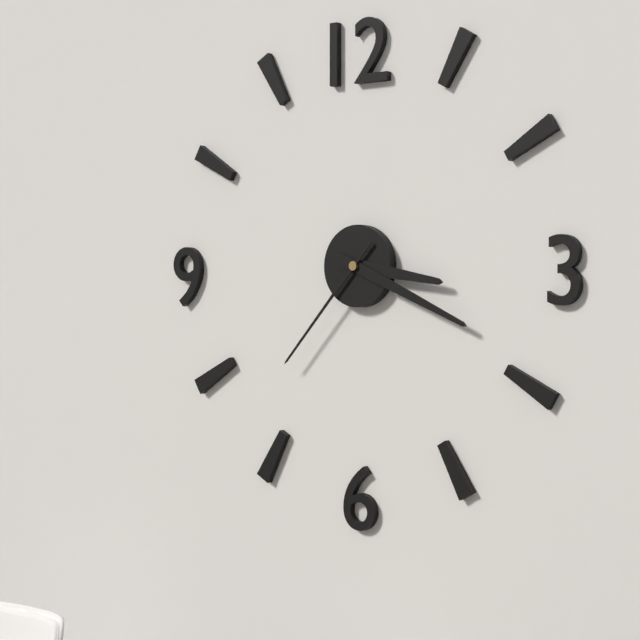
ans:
**3:19:37**
